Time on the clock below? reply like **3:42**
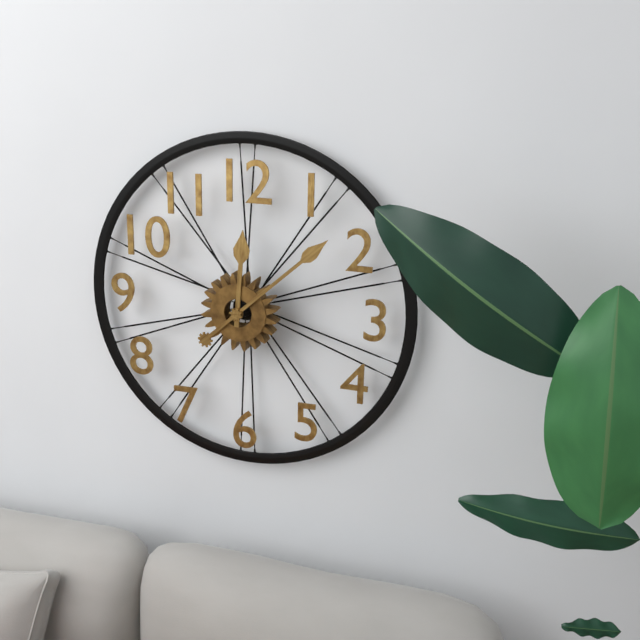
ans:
**12:08**
